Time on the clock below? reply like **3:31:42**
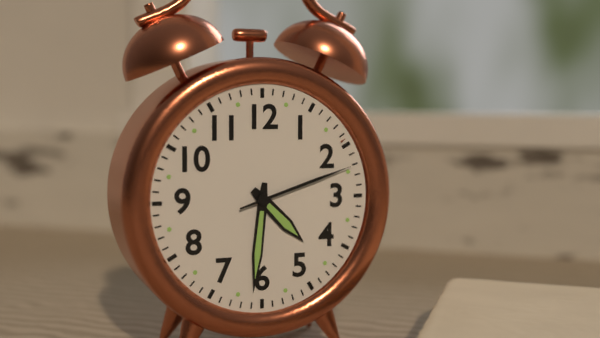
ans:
**4:31:12**
